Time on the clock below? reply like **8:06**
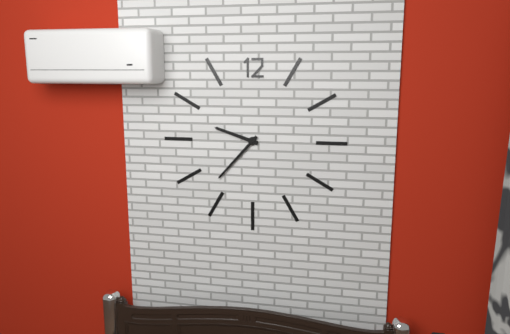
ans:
**9:37**
